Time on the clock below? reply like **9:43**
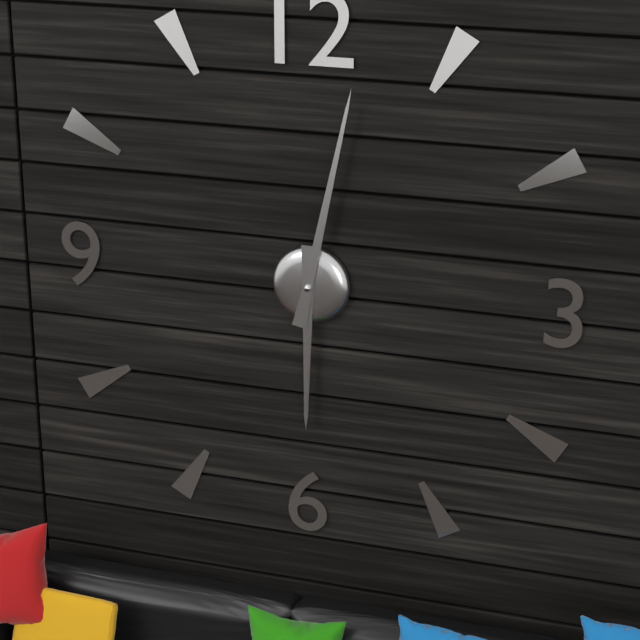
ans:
**6:02**
